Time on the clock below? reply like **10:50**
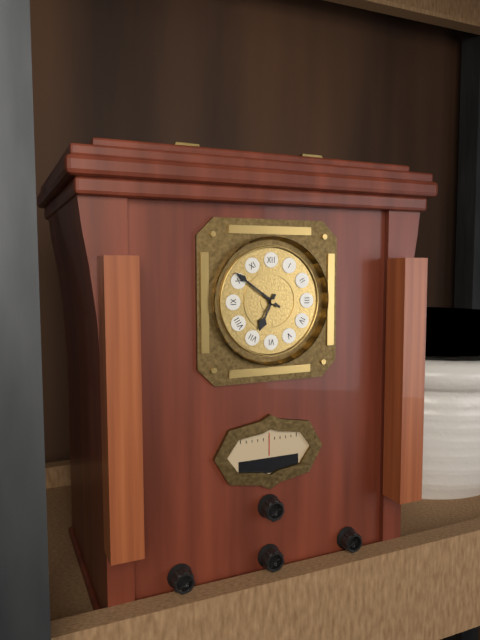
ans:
**6:51**
